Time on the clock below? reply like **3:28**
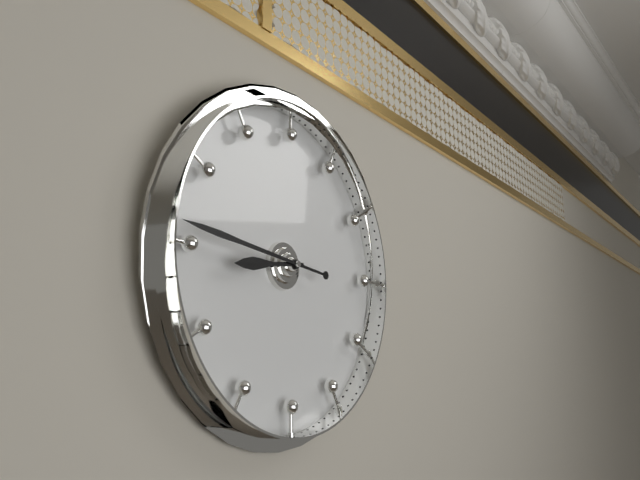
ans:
**8:46**
